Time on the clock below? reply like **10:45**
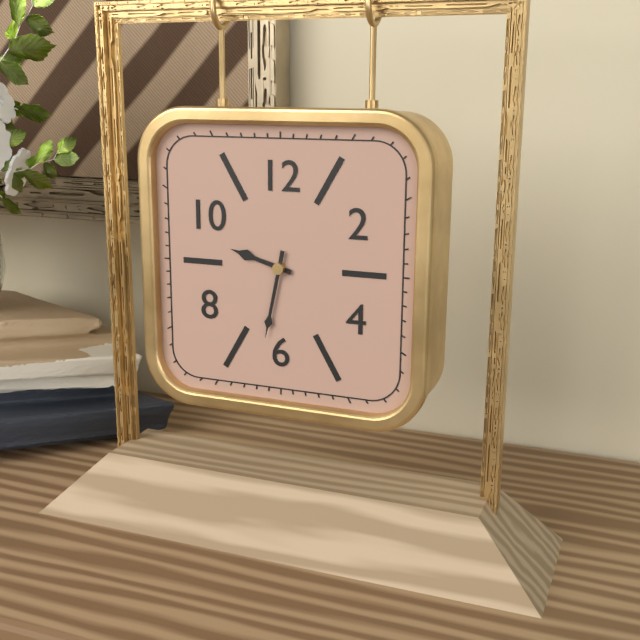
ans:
**9:32**
